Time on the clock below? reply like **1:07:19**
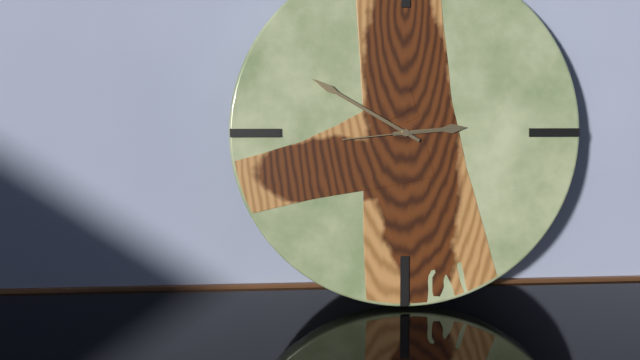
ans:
**2:50:44**
